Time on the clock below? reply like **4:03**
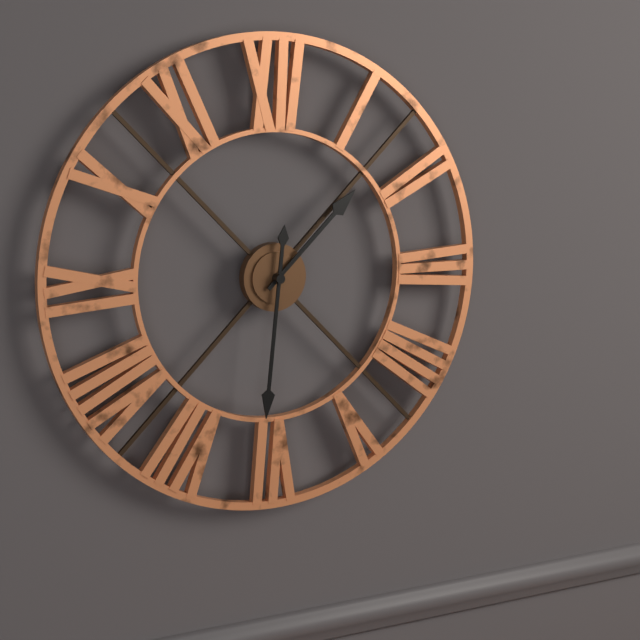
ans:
**1:31**
